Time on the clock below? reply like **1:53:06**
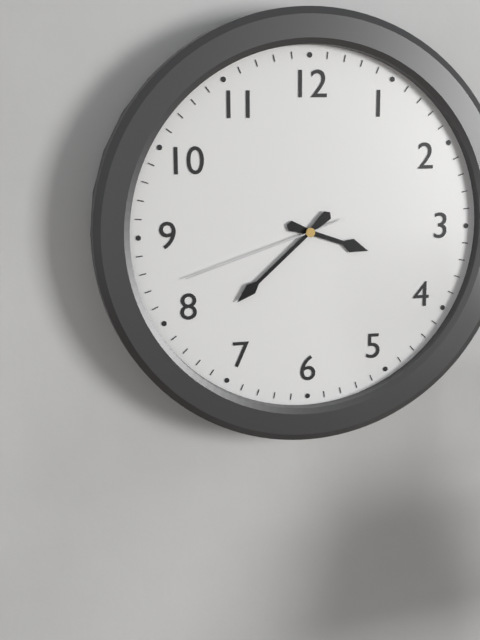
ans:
**3:38:42**
